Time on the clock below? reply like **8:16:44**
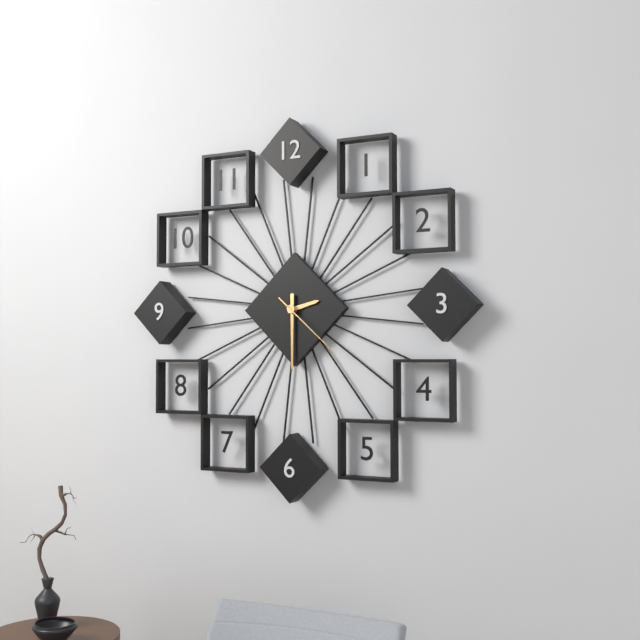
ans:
**2:30:22**
